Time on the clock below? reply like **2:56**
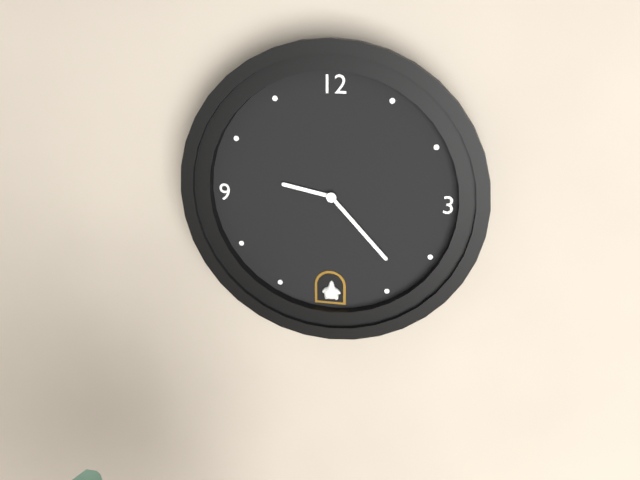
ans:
**9:23**
